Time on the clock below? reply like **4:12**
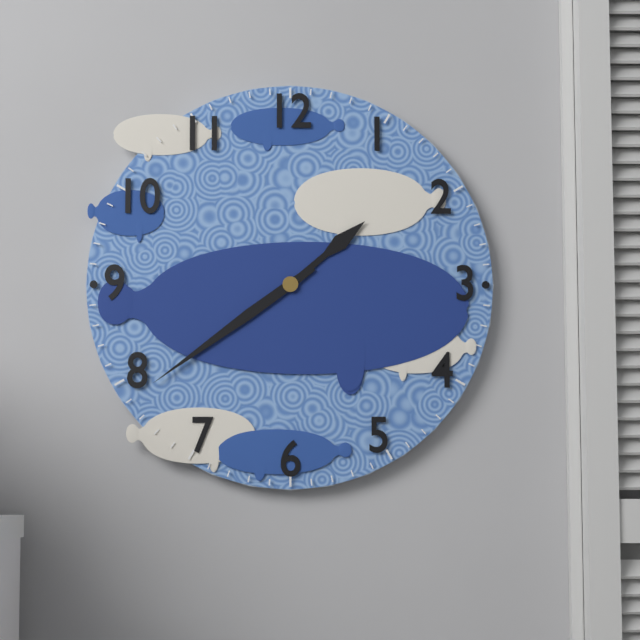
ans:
**1:39**
